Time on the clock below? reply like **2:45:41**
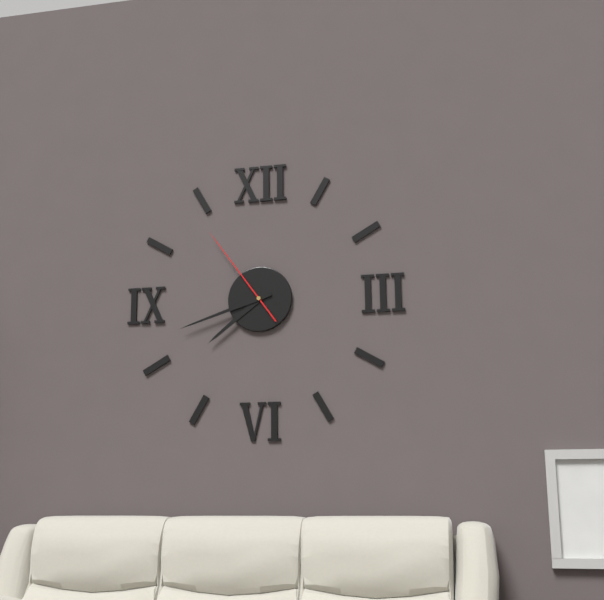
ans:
**7:42:54**
